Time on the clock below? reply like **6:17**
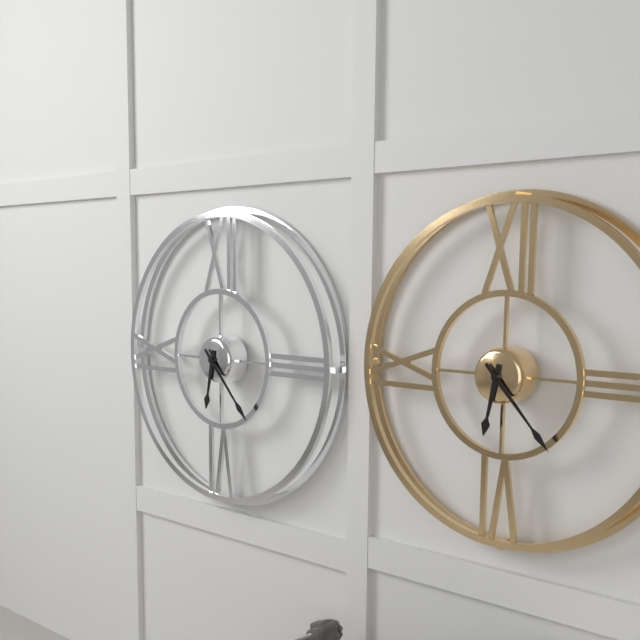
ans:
**6:23**
